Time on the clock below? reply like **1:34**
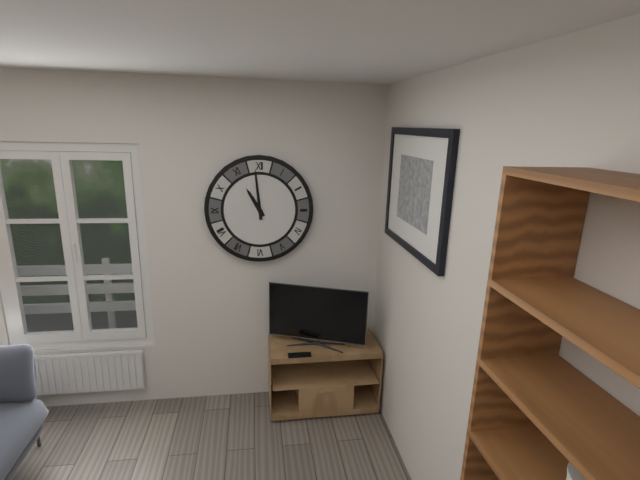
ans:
**10:59**
